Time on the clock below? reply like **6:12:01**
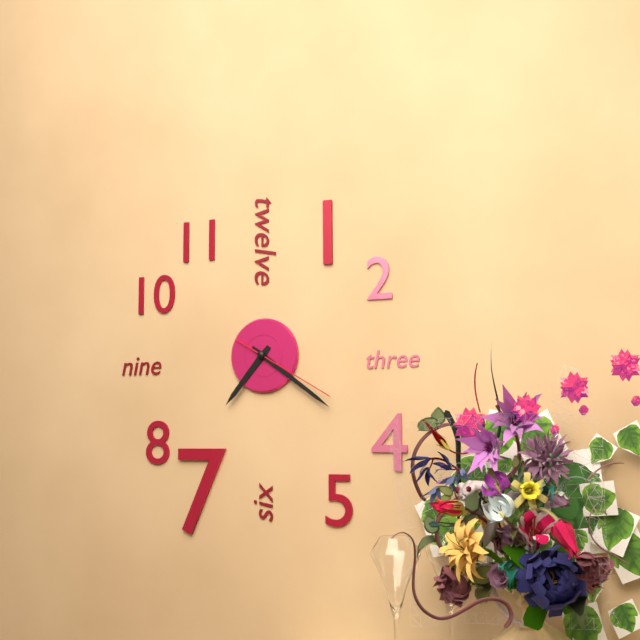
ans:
**7:21:20**
